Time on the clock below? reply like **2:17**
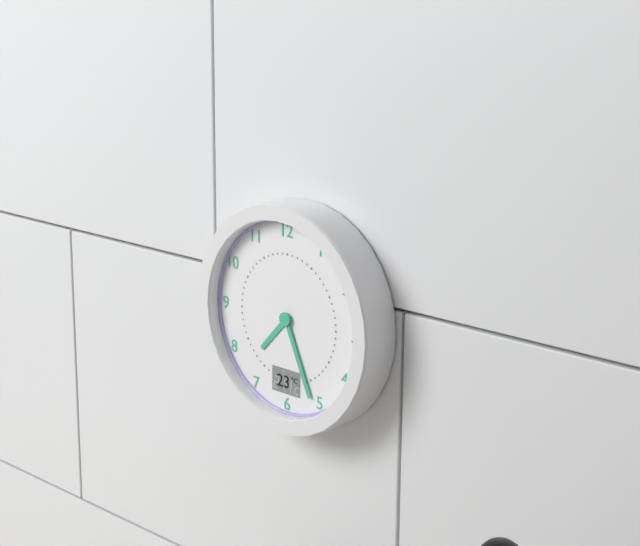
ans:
**7:26**
